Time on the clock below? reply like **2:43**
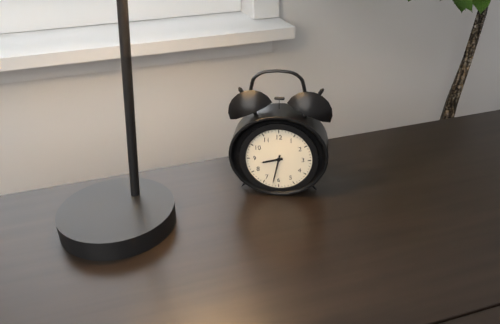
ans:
**8:32**
